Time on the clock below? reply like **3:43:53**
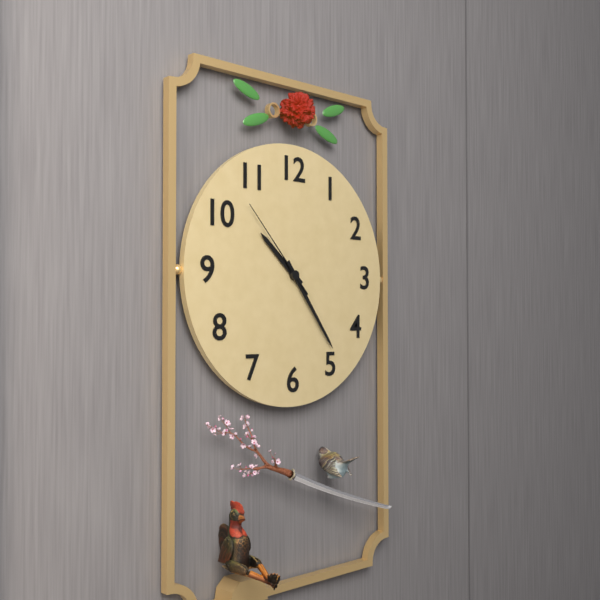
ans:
**10:24:53**
